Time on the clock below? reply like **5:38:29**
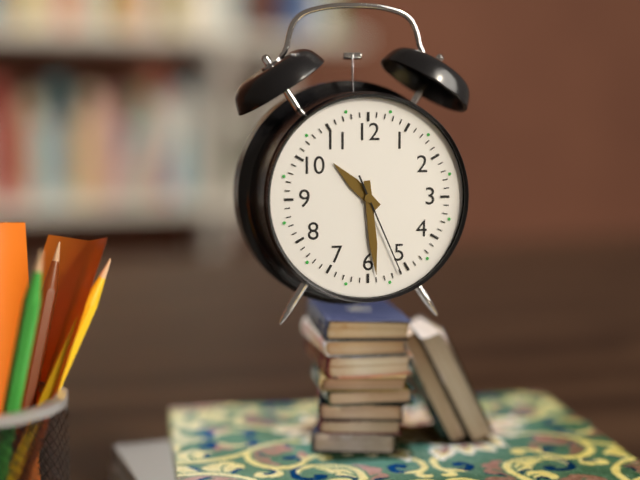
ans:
**10:29:26**
